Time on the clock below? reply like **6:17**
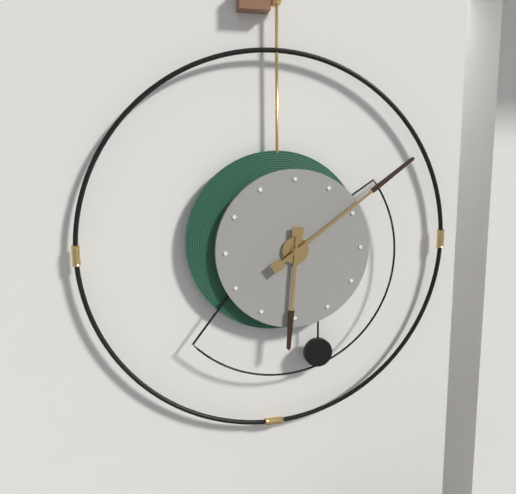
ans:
**6:09**
